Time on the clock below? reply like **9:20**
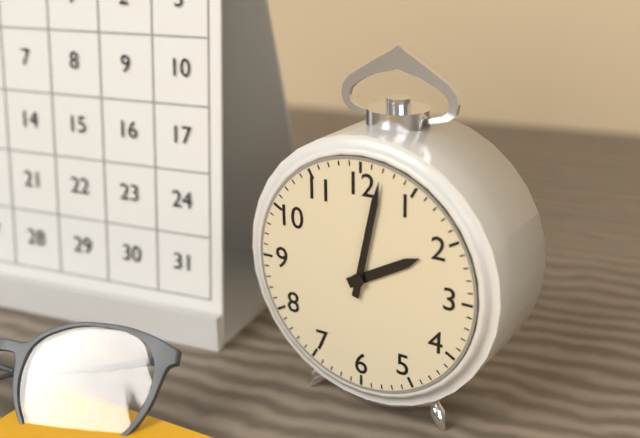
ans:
**2:02**
